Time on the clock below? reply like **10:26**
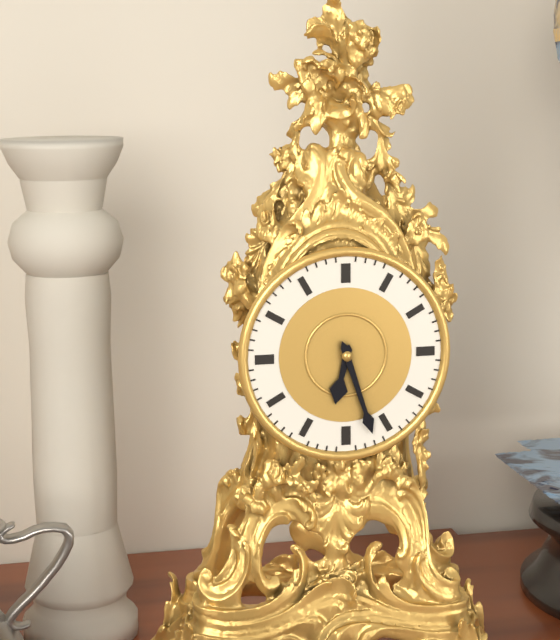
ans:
**6:27**
